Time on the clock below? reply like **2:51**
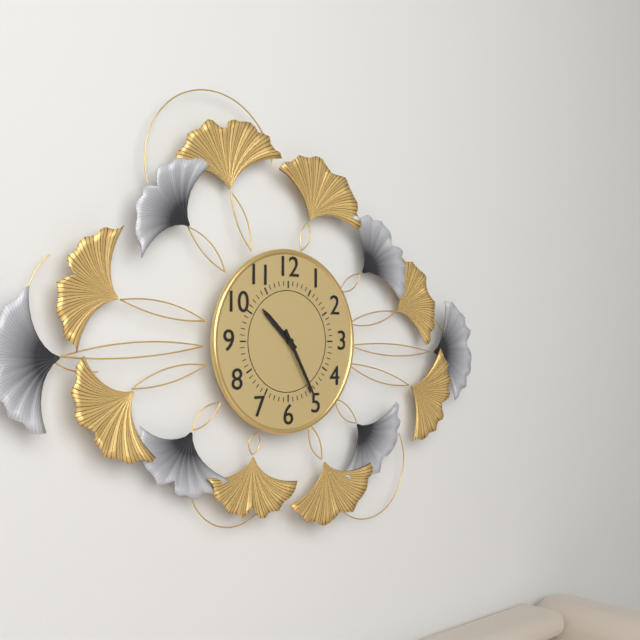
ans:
**10:25**
